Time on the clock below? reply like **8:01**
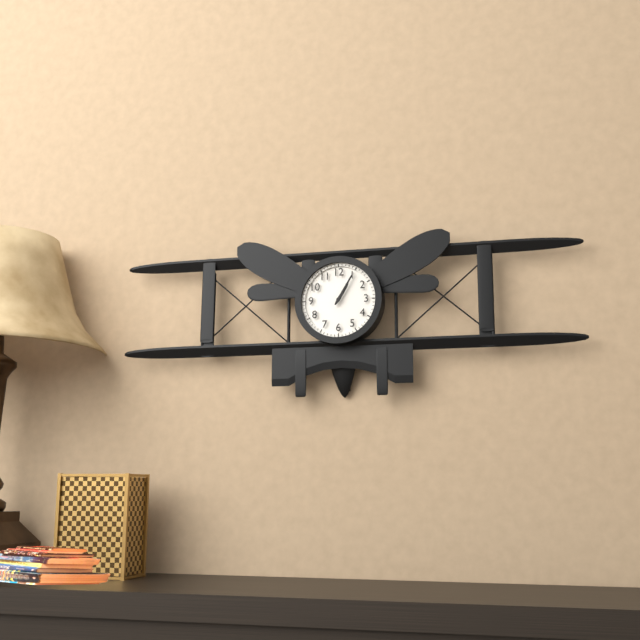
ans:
**1:05**
